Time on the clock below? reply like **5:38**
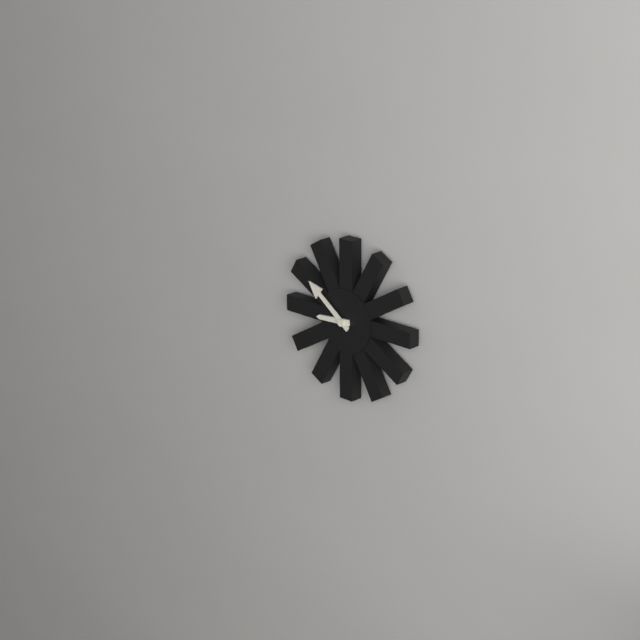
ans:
**8:51**
